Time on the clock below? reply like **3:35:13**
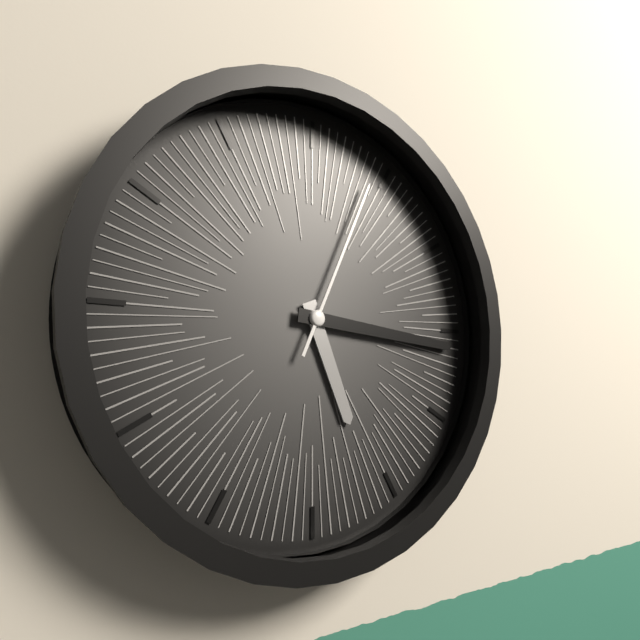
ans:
**5:16:04**
